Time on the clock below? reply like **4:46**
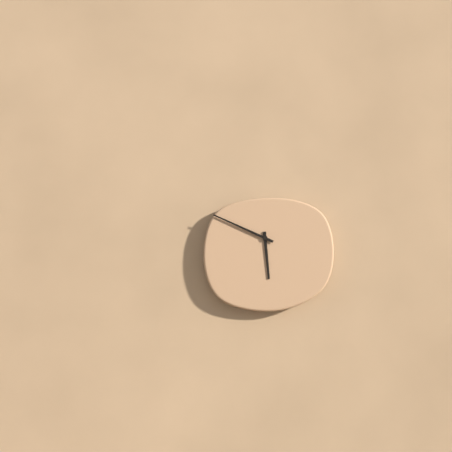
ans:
**5:49**
